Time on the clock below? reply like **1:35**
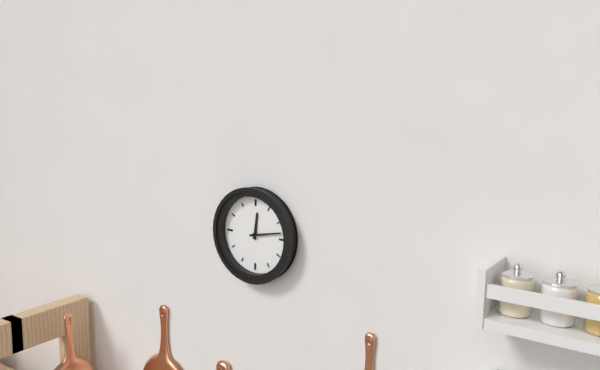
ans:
**12:13**
